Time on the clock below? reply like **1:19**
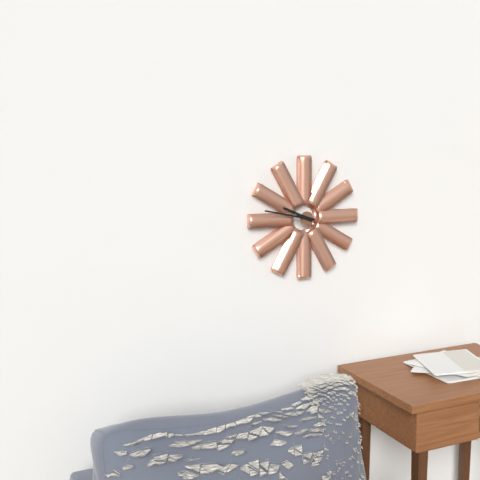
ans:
**9:47**
